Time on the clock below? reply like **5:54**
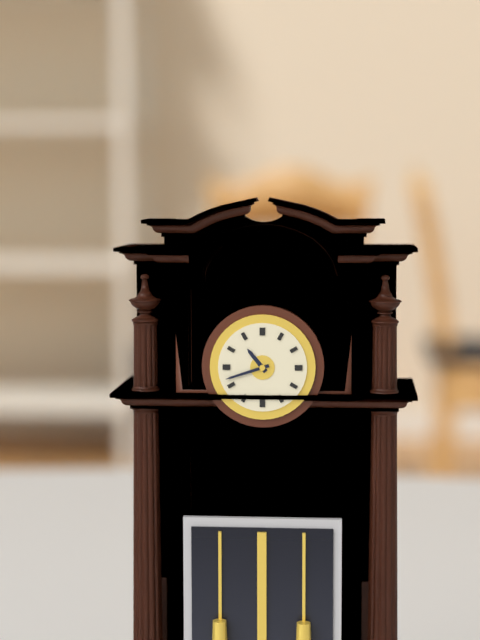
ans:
**10:42**
